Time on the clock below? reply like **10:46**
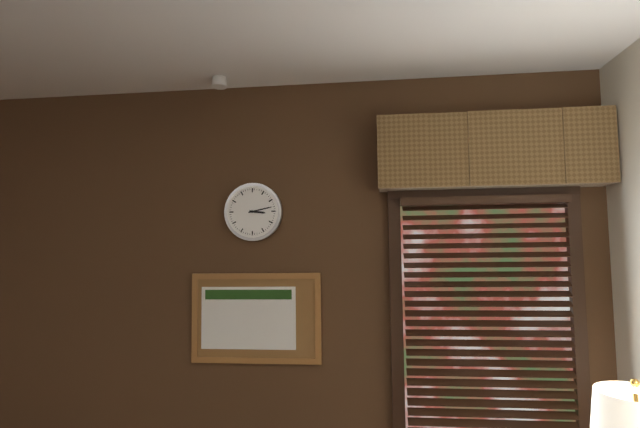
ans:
**3:13**
